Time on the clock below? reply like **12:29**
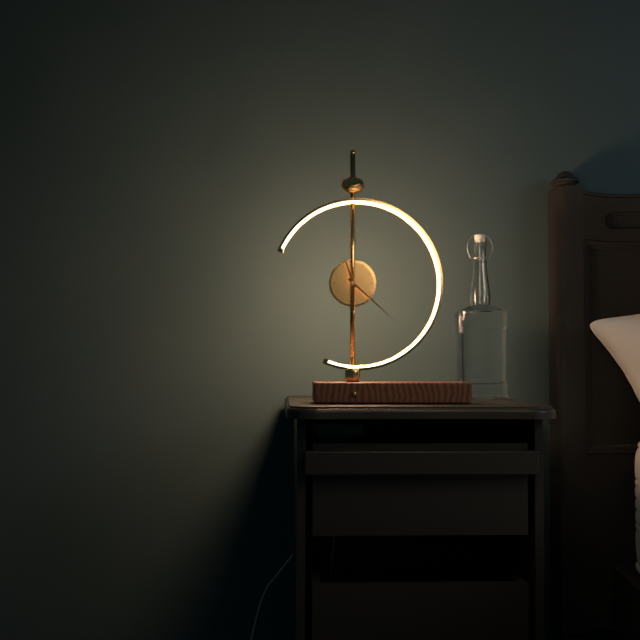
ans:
**11:22**
